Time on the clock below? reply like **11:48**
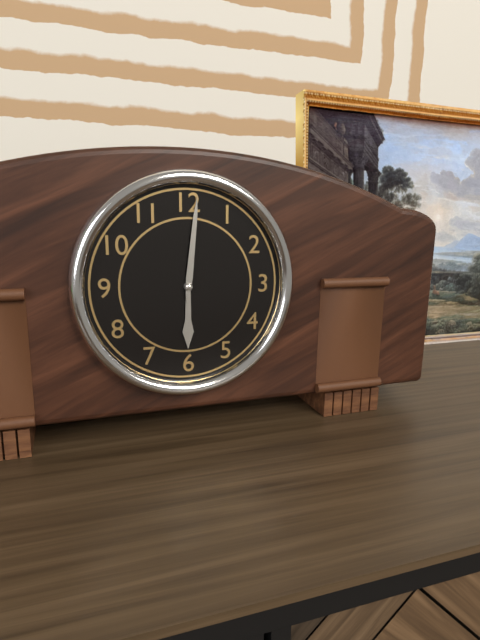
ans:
**6:01**
